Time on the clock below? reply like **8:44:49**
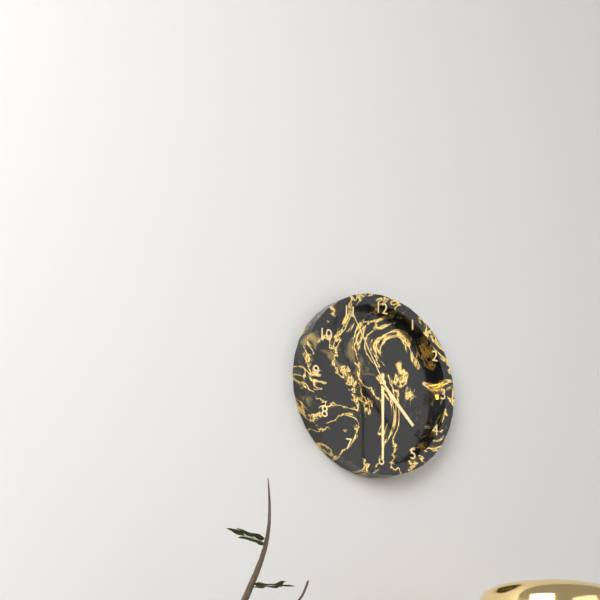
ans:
**4:30:55**
